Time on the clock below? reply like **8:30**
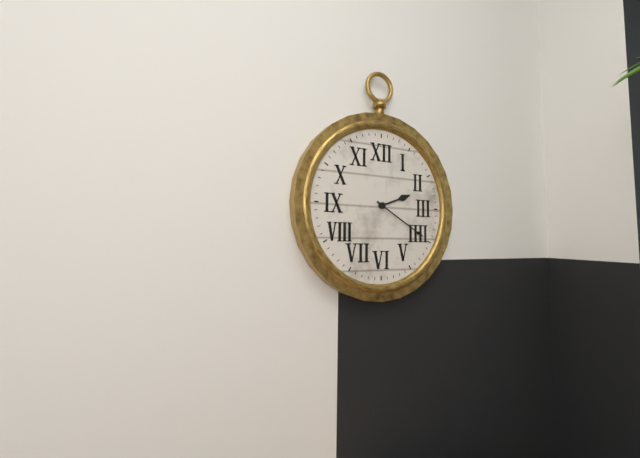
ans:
**2:20**
